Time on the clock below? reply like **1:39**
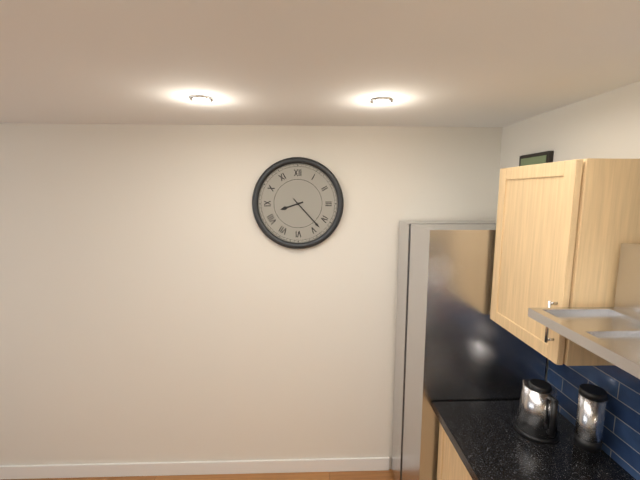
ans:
**8:23**
